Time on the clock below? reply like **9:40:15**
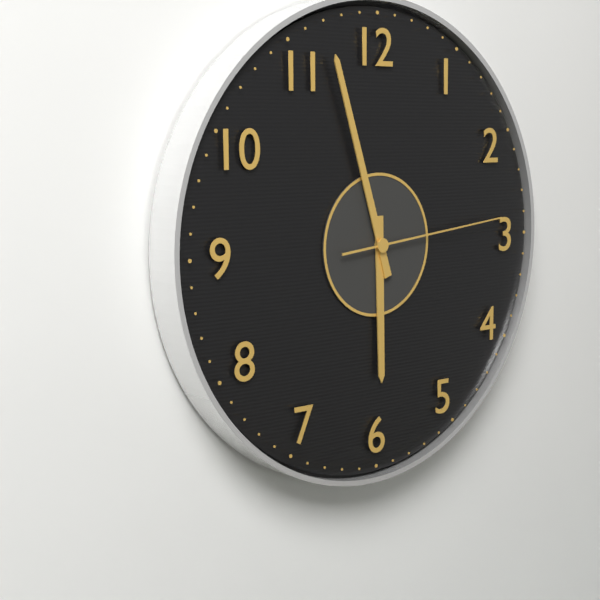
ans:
**5:57:14**
